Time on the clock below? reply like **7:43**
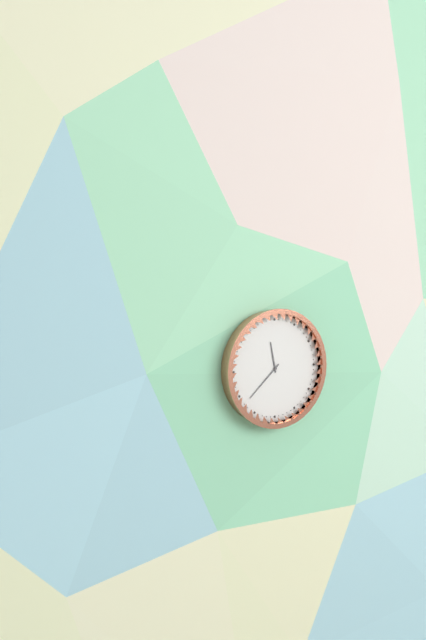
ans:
**11:38**
